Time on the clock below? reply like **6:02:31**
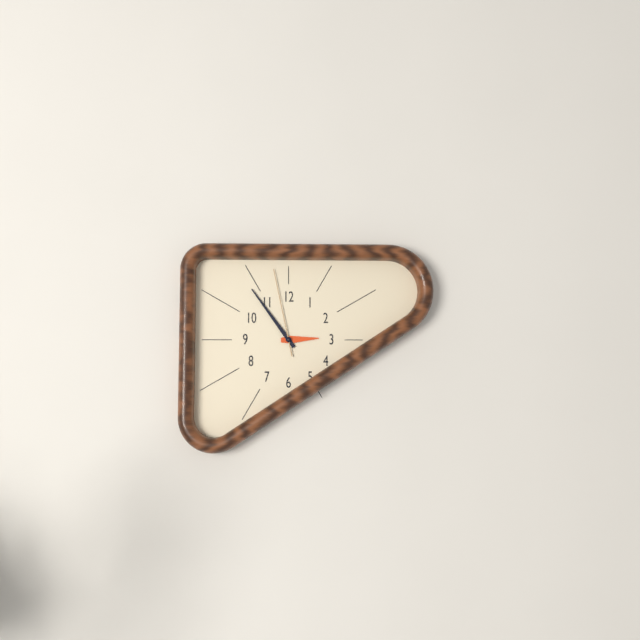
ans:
**2:54:58**
